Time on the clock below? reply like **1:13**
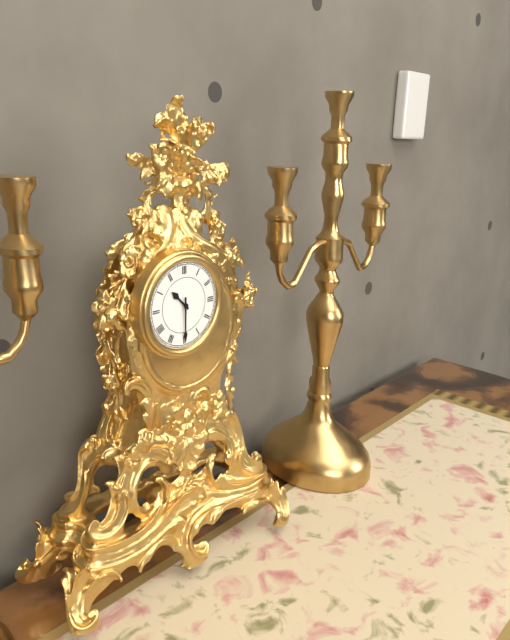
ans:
**10:30**
